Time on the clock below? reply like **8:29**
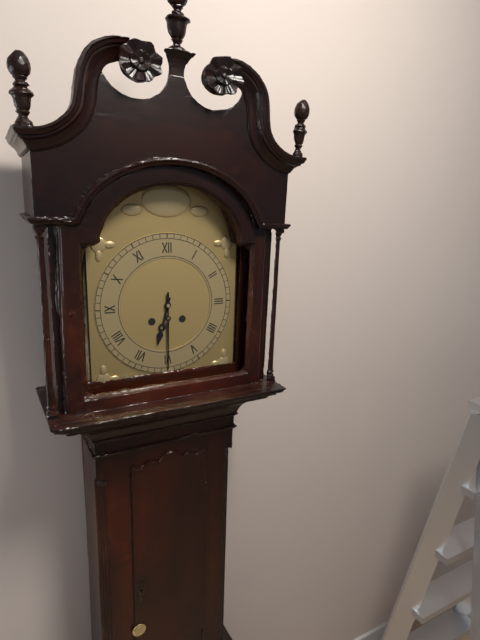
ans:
**6:30**
